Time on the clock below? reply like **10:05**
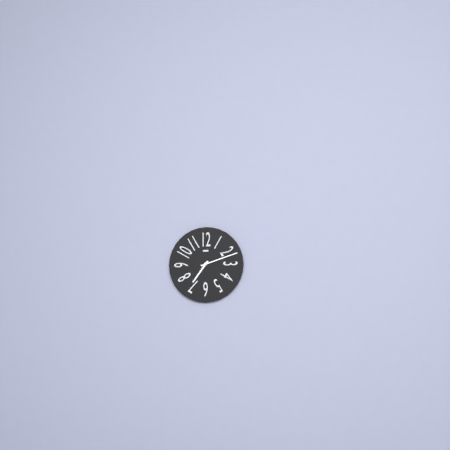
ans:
**7:12**
